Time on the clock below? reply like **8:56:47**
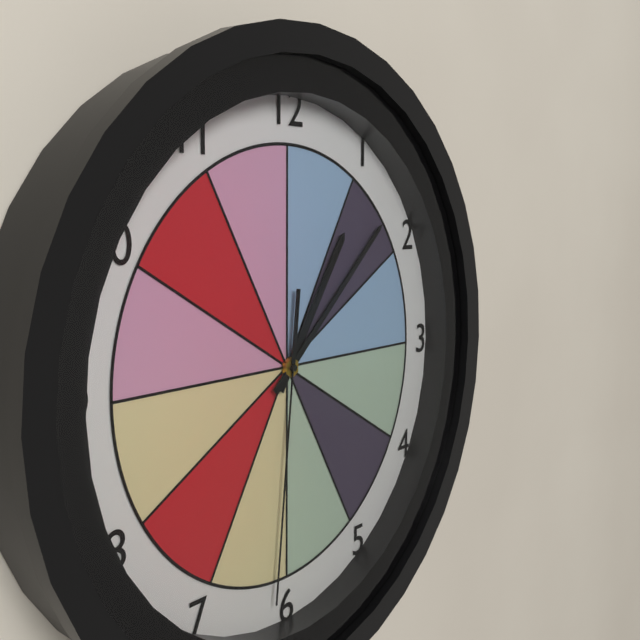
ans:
**1:08:31**
